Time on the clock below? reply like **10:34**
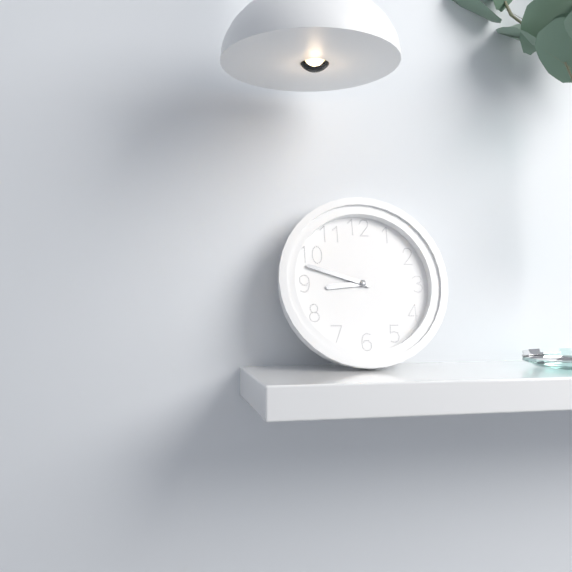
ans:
**8:48**
